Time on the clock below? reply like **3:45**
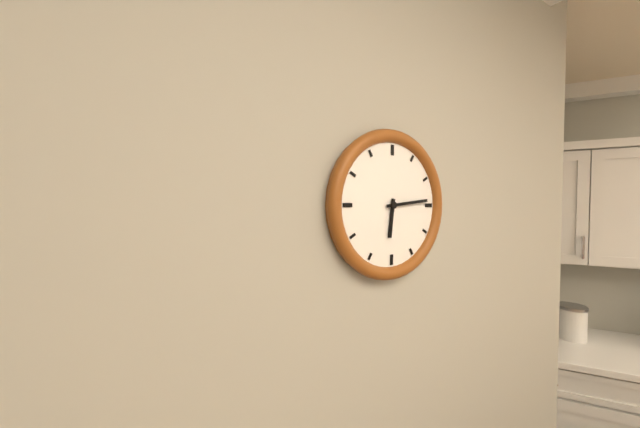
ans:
**6:14**
